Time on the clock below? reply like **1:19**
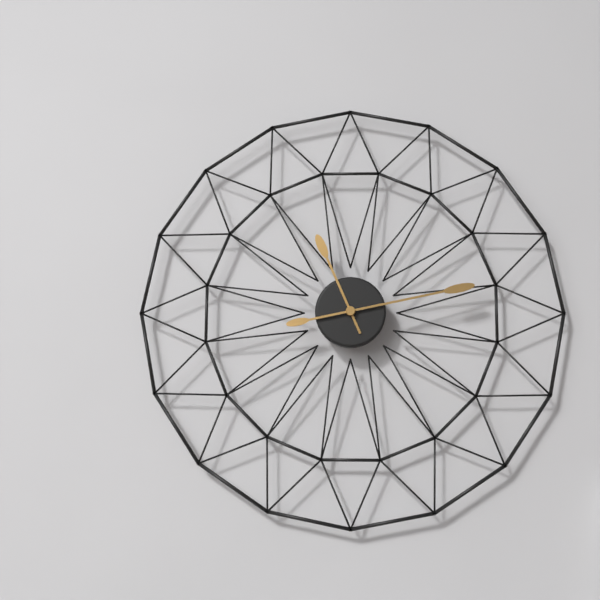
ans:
**11:13**
